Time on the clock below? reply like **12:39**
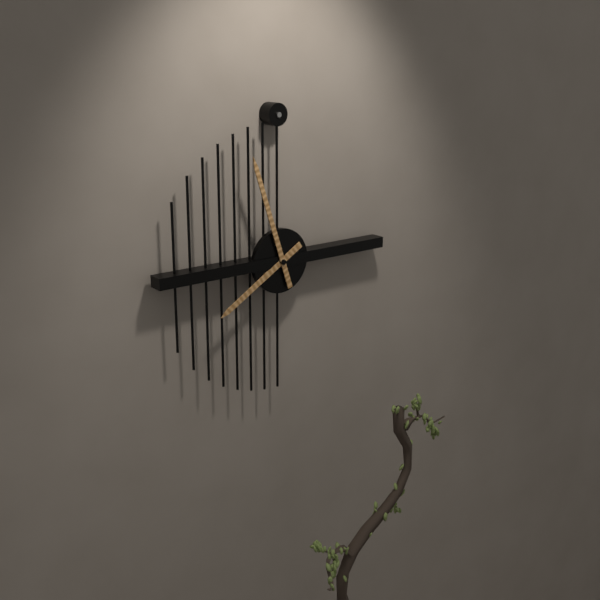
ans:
**7:57**
